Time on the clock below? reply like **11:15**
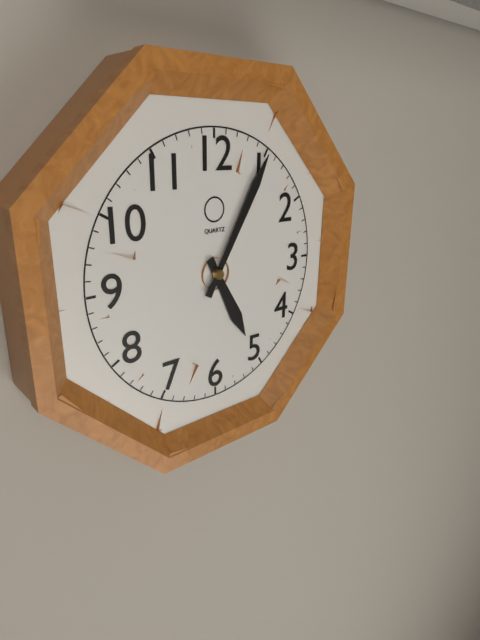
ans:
**5:05**
